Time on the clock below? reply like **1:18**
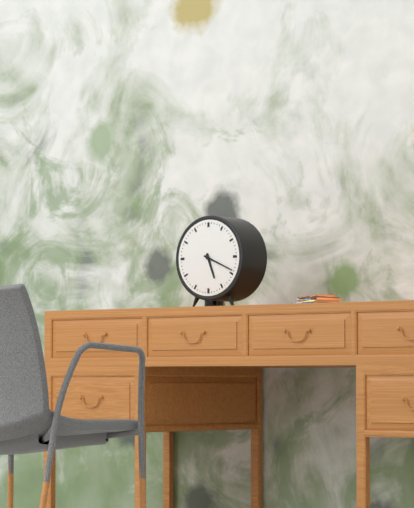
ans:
**5:19**
